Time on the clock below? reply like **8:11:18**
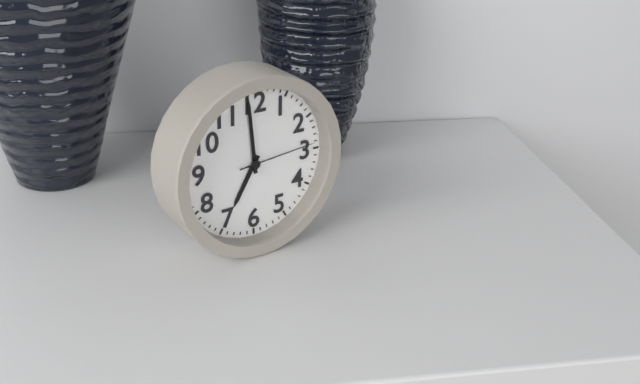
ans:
**6:59:14**
